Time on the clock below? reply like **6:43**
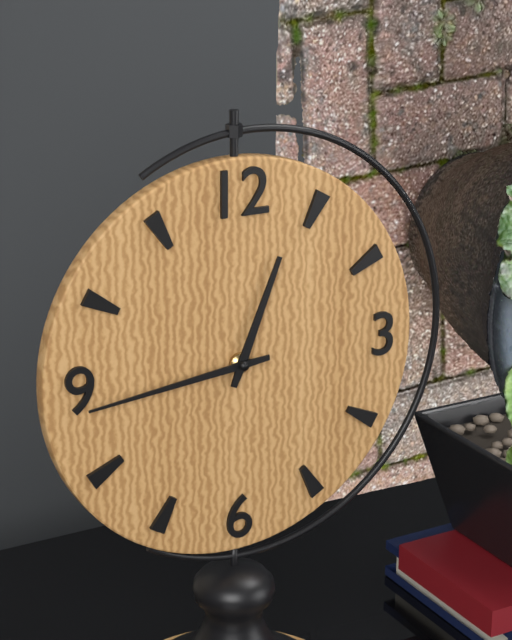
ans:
**12:44**
